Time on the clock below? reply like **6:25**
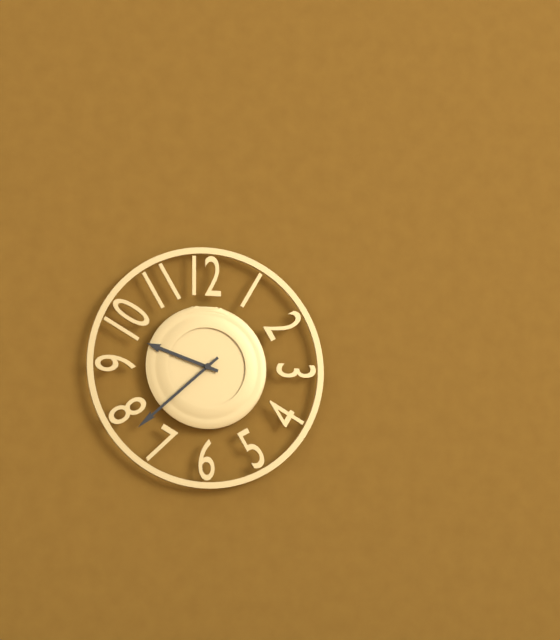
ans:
**9:38**
